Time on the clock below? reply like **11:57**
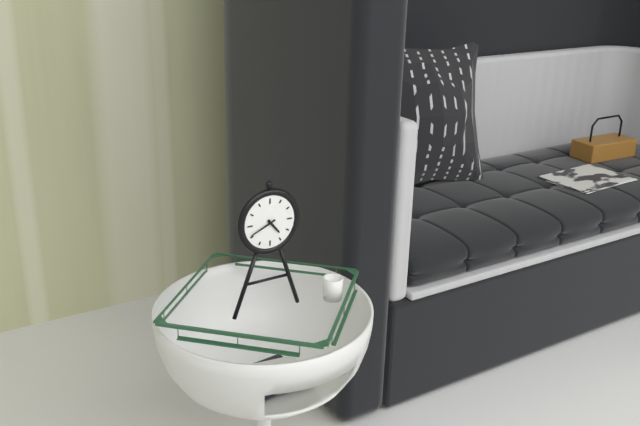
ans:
**4:41**
